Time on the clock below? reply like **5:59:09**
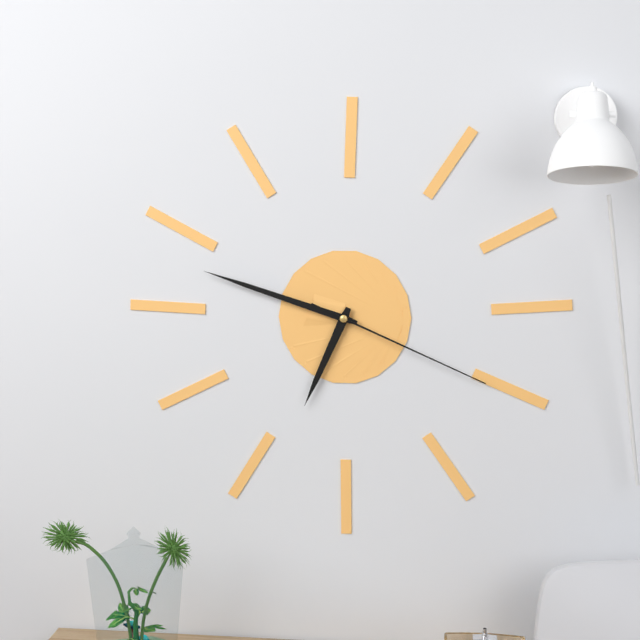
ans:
**6:48:19**
